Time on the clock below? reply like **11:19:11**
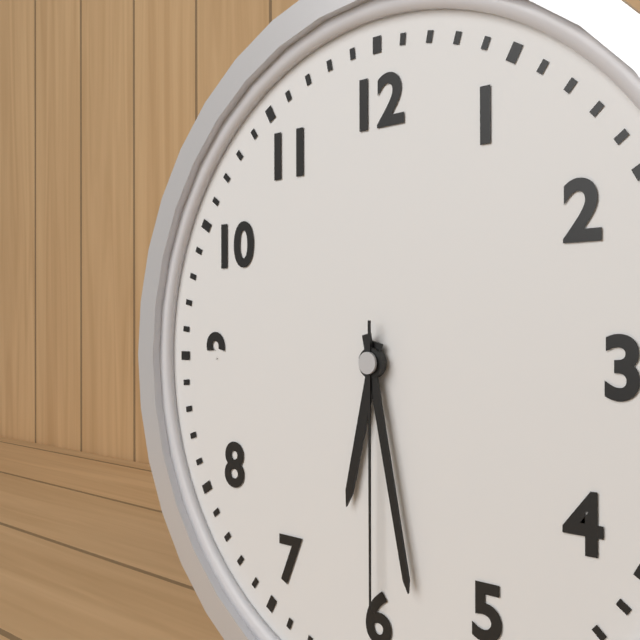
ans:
**6:28:30**
